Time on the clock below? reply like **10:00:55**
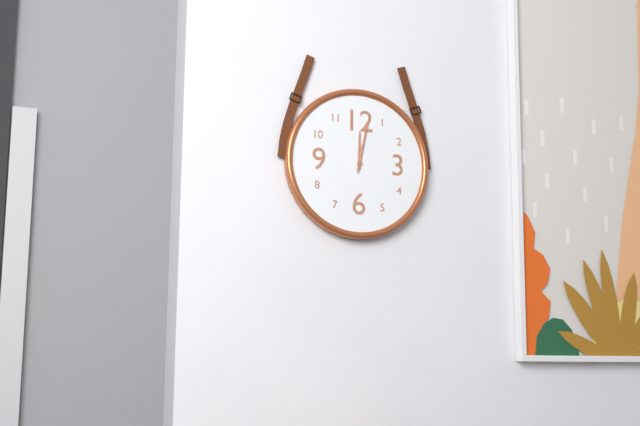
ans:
**12:02:02**
